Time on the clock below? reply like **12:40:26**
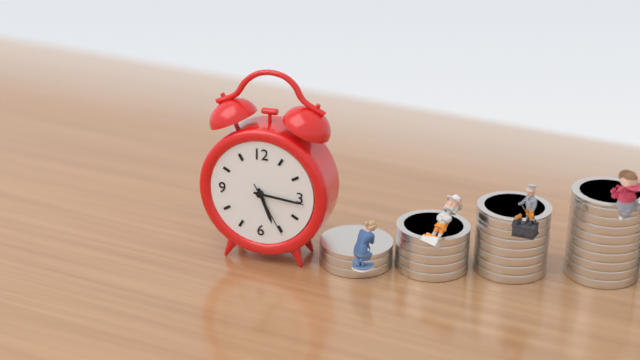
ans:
**5:16:25**
